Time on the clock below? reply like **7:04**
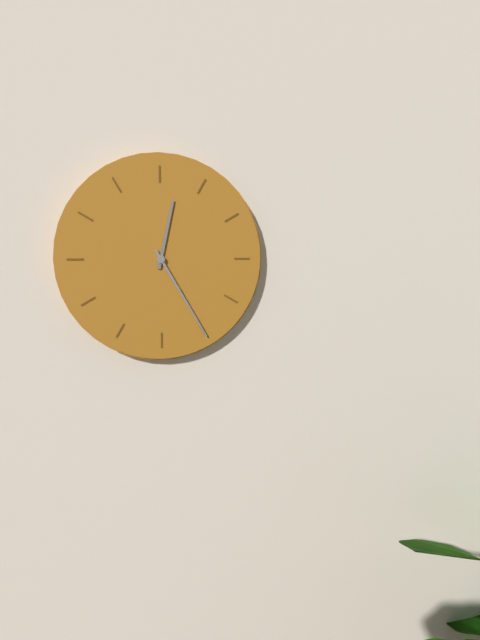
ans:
**12:25**
